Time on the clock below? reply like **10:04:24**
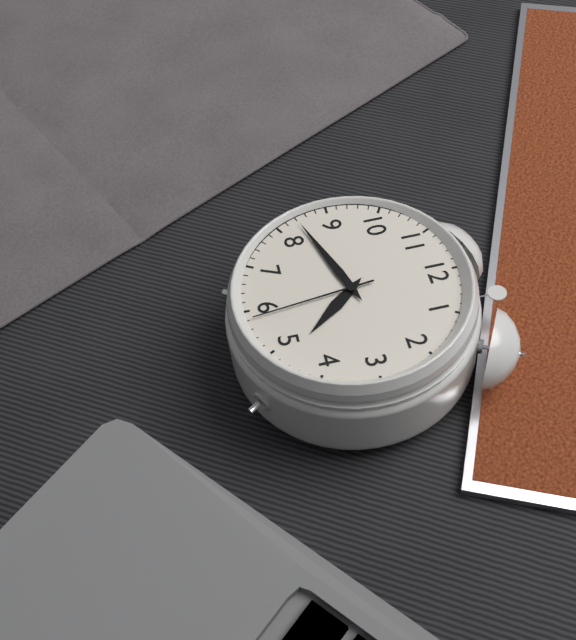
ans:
**4:42:29**
